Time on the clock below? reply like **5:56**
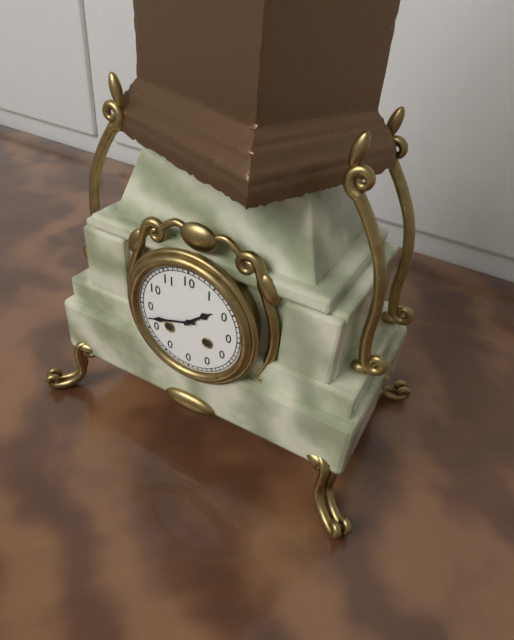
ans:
**1:42**
